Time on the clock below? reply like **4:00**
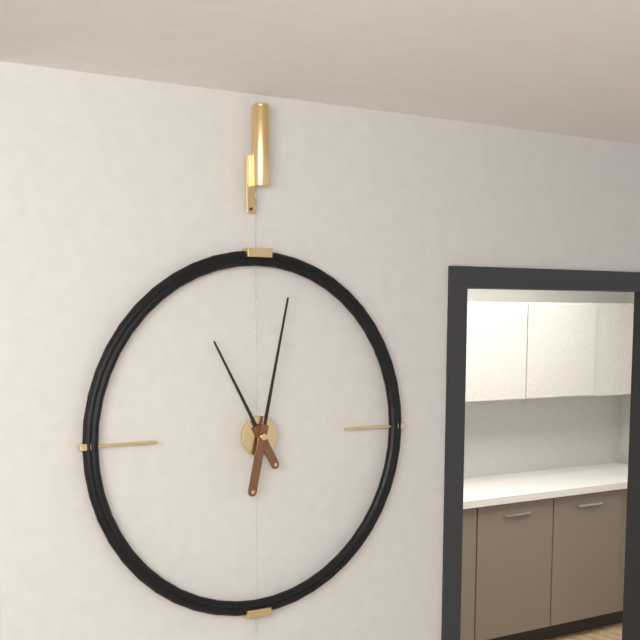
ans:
**11:02**
